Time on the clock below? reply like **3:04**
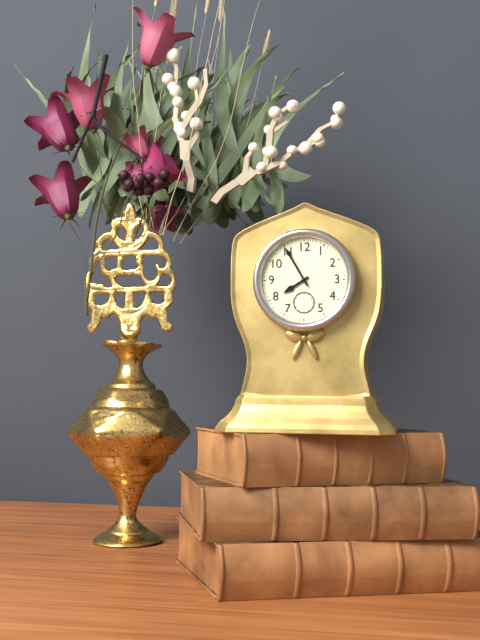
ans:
**7:55**
